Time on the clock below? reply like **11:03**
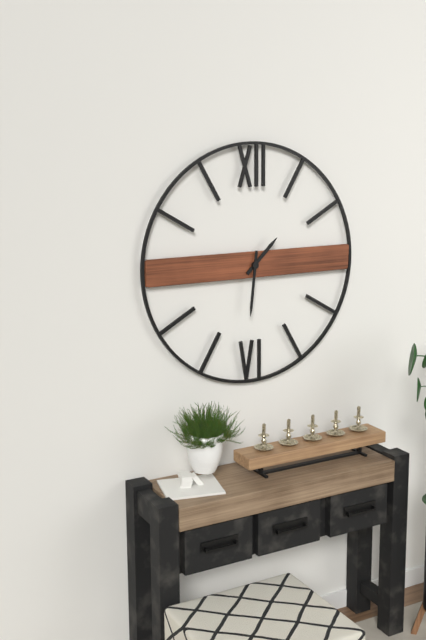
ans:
**1:31**
